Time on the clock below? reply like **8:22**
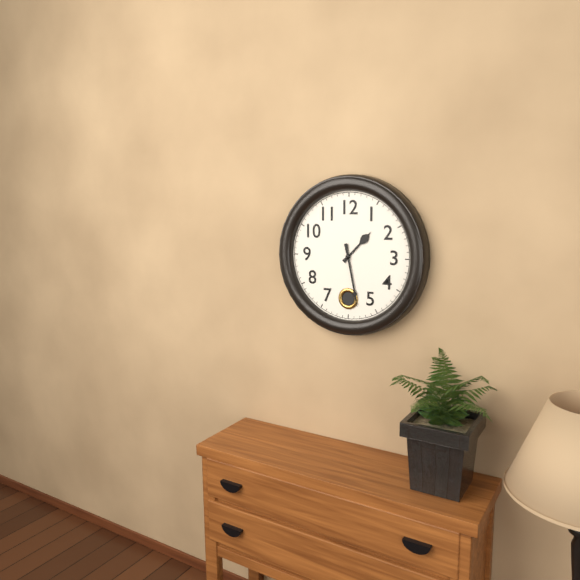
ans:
**1:28**
